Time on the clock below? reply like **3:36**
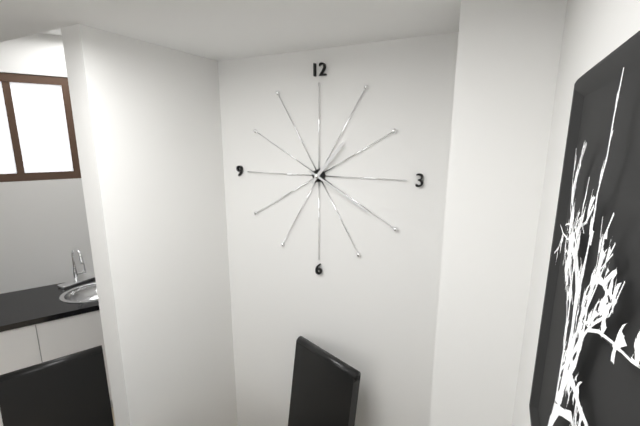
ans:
**1:20**
